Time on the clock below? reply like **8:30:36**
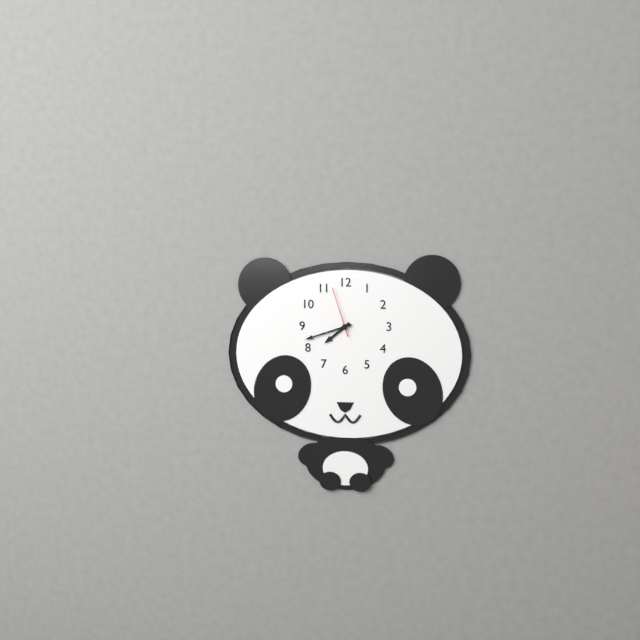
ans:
**7:42:57**
